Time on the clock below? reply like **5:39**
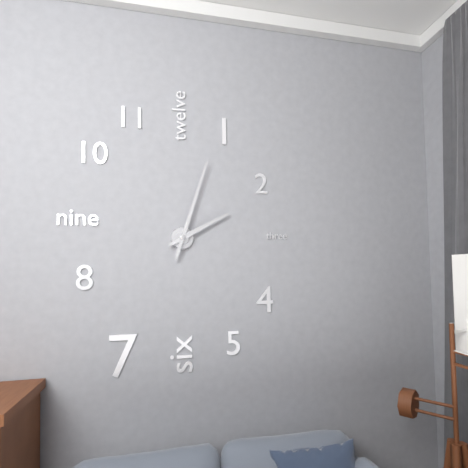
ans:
**2:03**
